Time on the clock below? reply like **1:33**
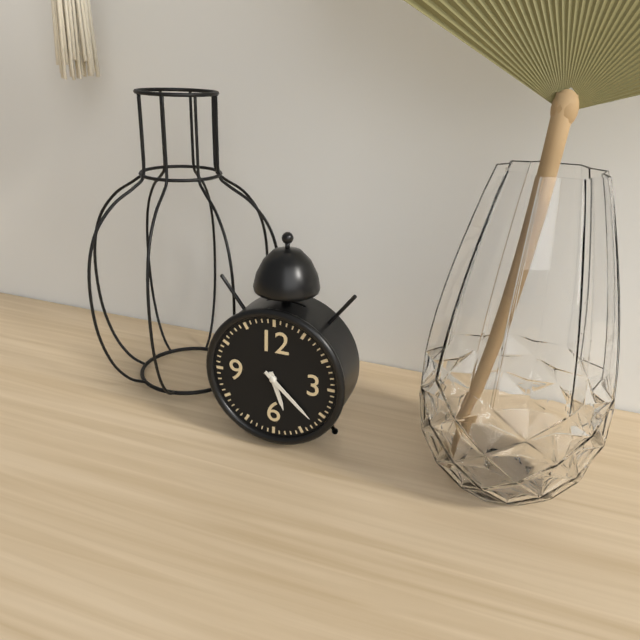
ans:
**5:22**
